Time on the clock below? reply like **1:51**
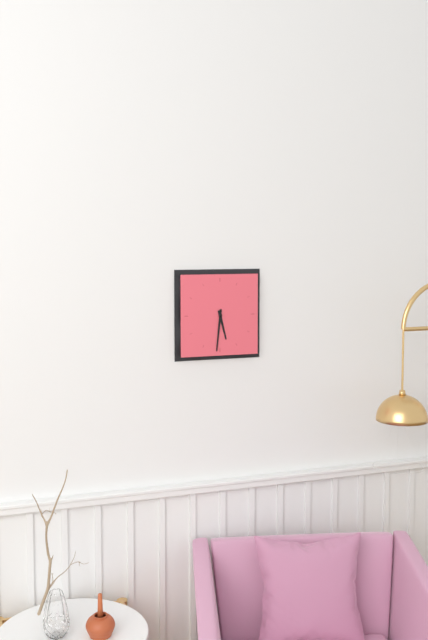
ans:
**5:31**
